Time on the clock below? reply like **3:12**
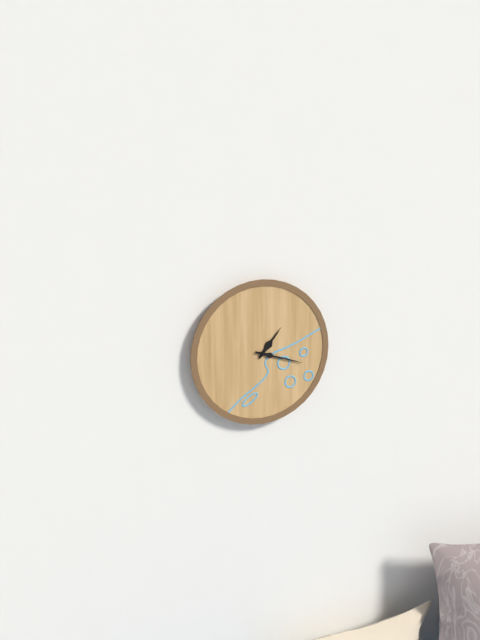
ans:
**1:18**
